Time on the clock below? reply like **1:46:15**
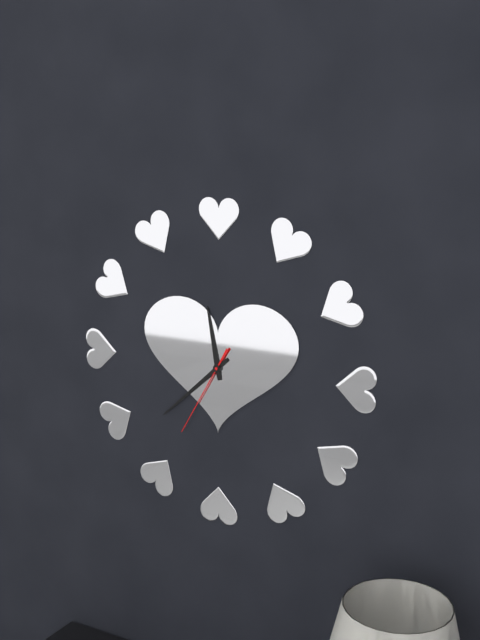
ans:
**11:38:35**
